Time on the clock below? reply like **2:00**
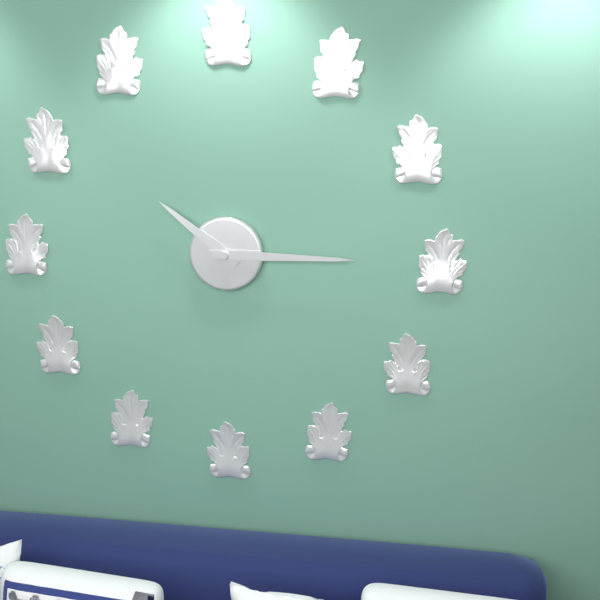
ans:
**10:15**
